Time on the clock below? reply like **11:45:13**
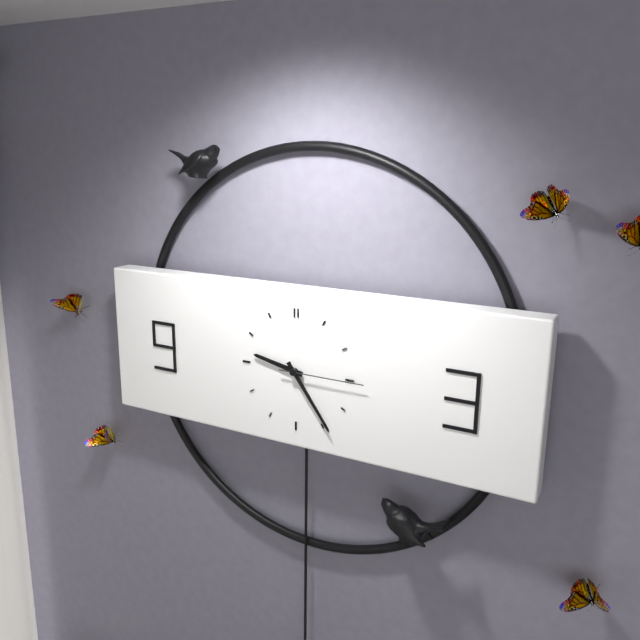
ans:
**9:24:15**
